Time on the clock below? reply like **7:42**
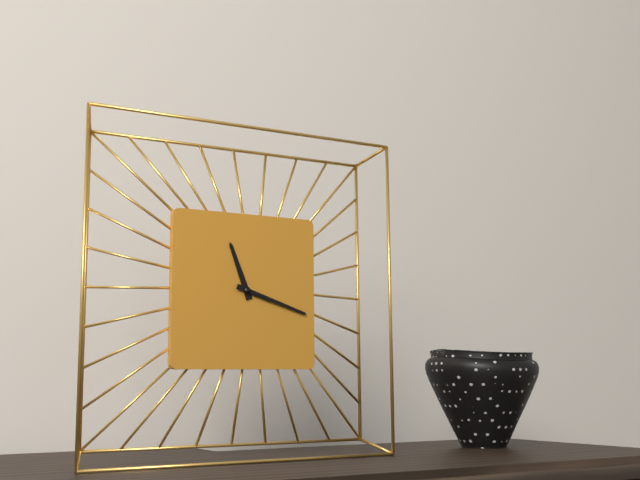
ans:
**11:18**
